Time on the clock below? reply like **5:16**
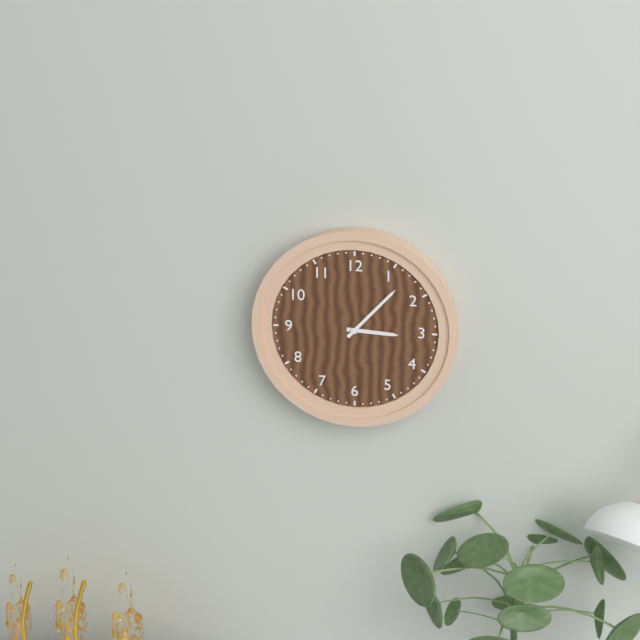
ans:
**3:07**
